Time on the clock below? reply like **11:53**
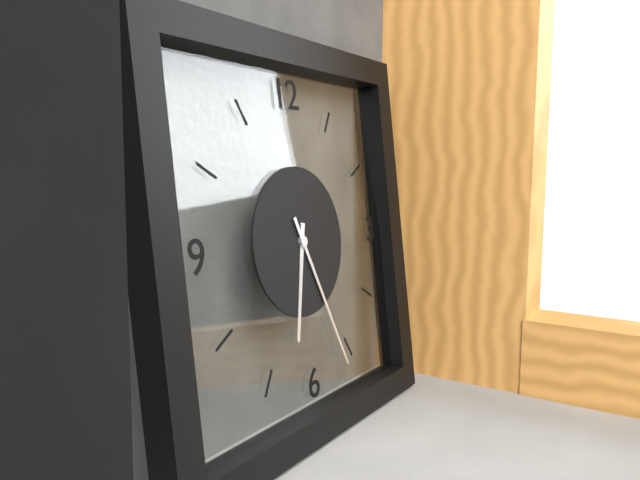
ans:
**6:26**
